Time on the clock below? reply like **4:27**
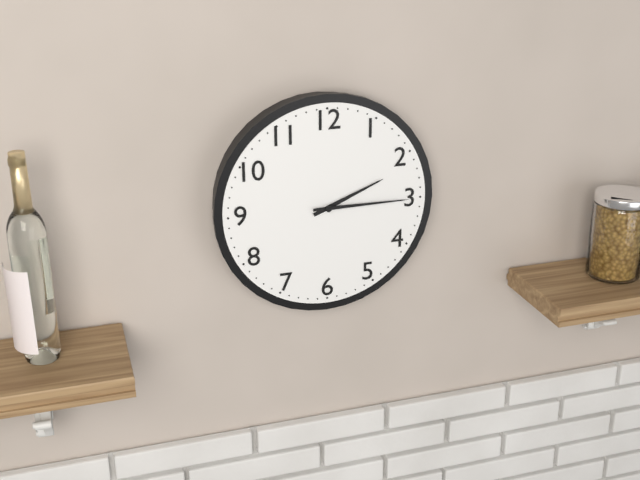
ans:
**2:15**
